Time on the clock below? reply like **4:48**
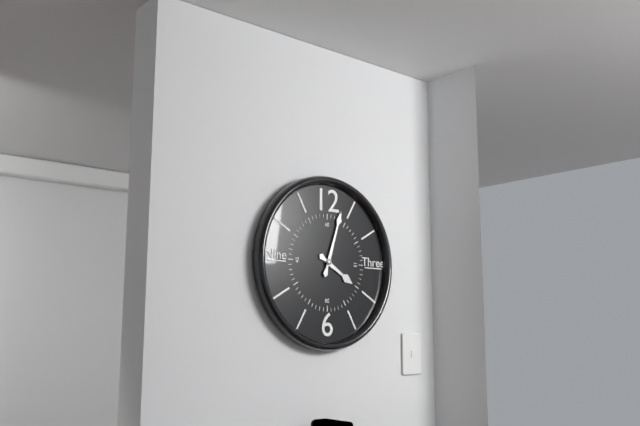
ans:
**4:03**
